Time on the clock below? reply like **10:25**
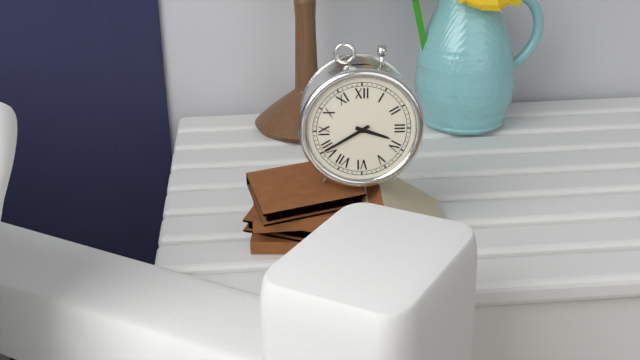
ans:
**3:40**
